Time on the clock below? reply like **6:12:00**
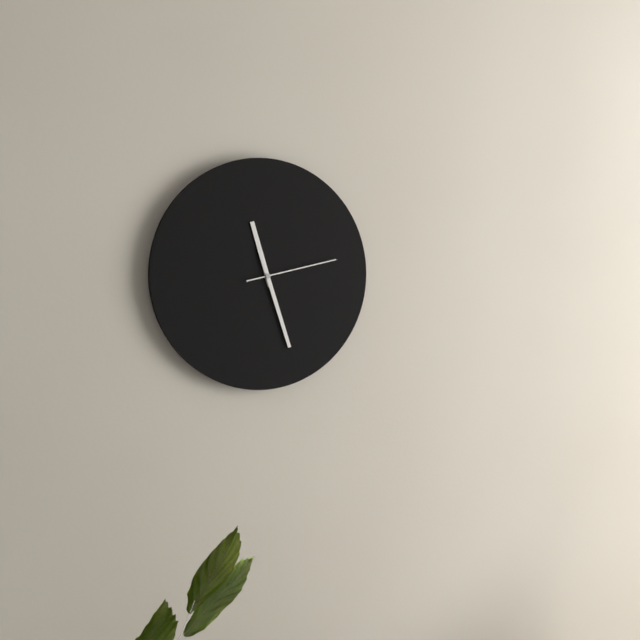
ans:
**11:27:13**
